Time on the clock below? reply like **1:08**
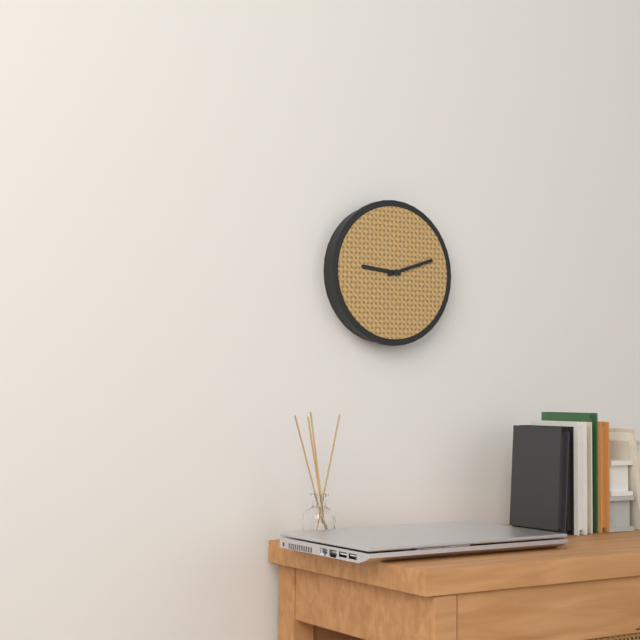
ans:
**9:12**
